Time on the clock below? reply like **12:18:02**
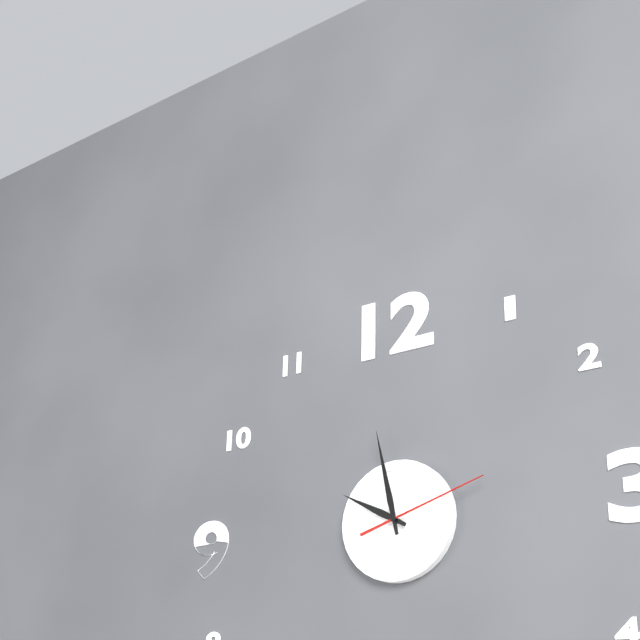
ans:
**9:58:12**
